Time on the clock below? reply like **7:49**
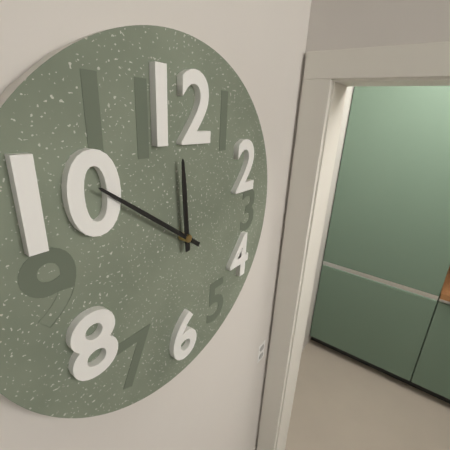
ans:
**11:51**
